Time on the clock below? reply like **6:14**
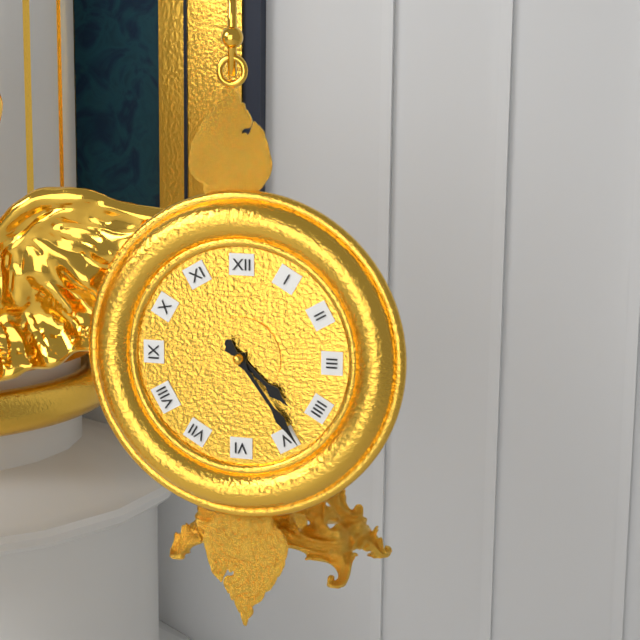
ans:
**4:24**
